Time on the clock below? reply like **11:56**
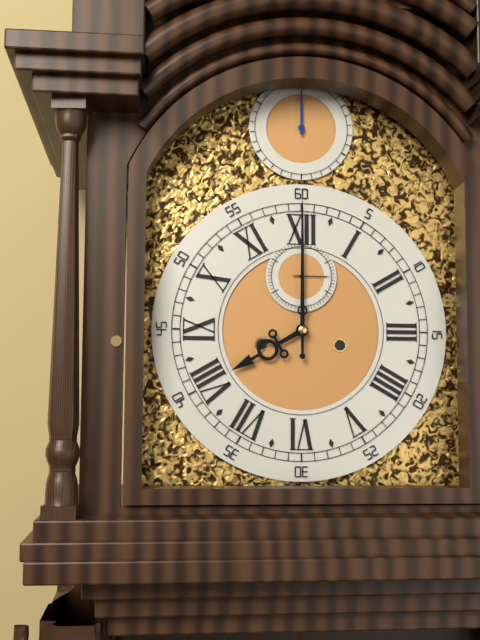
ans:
**8:00**
